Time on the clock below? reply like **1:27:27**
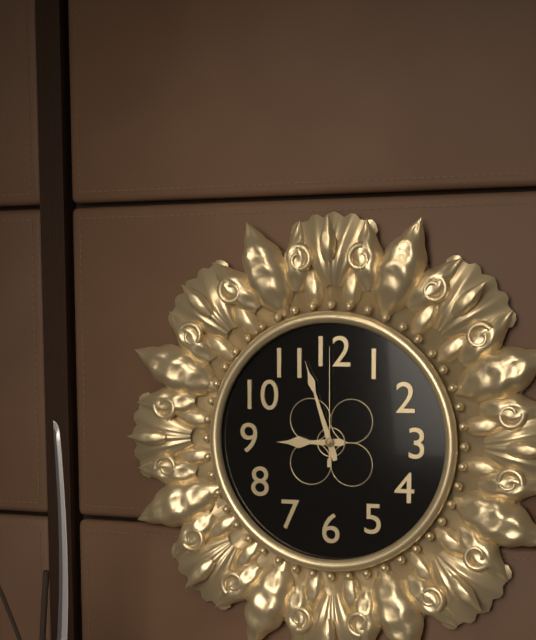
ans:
**8:57:00**
